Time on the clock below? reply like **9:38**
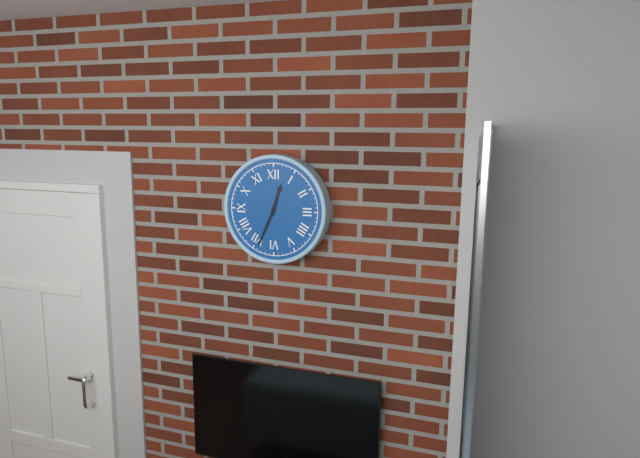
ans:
**12:34**
